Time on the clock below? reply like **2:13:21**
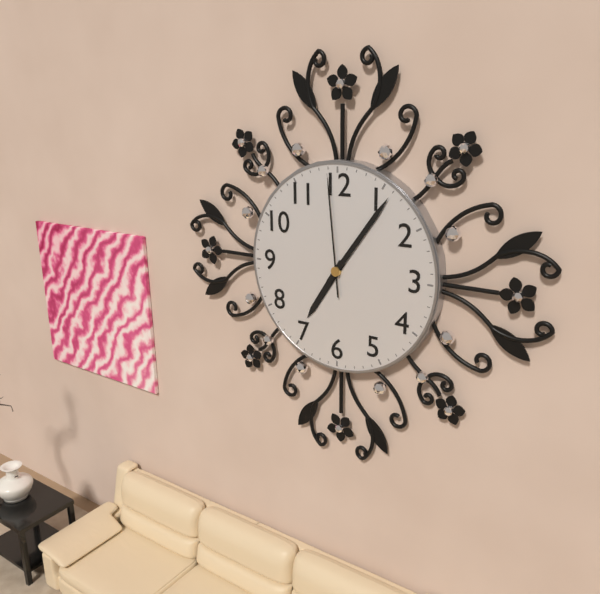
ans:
**7:06:59**
